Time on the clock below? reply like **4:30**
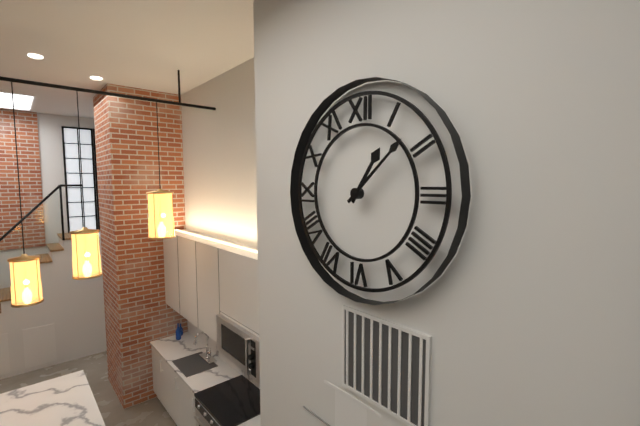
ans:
**1:08**
